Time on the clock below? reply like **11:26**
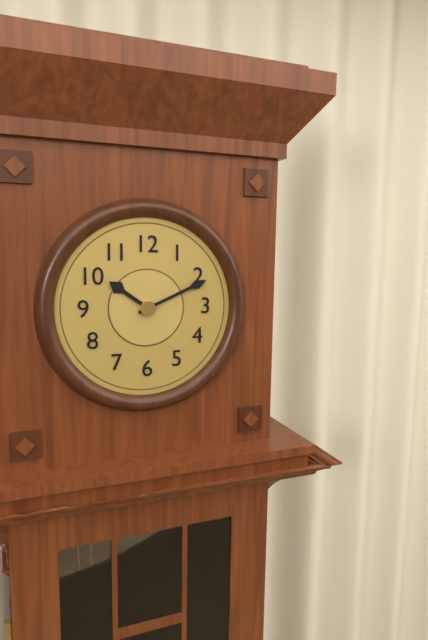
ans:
**10:11**
